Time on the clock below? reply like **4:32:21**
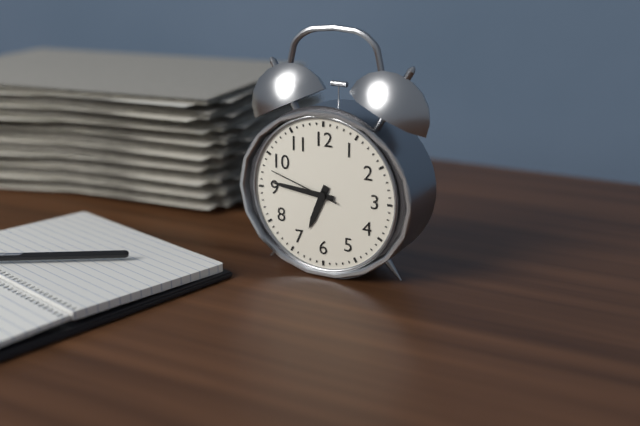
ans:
**6:46:48**
